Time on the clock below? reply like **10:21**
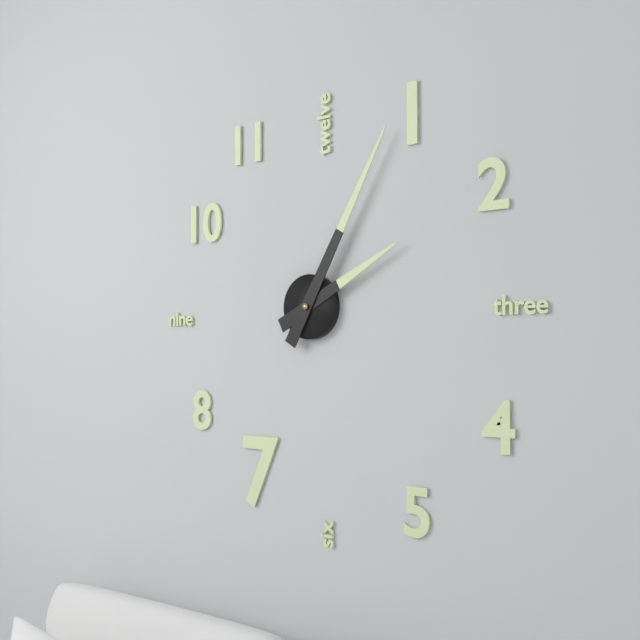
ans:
**2:05**
